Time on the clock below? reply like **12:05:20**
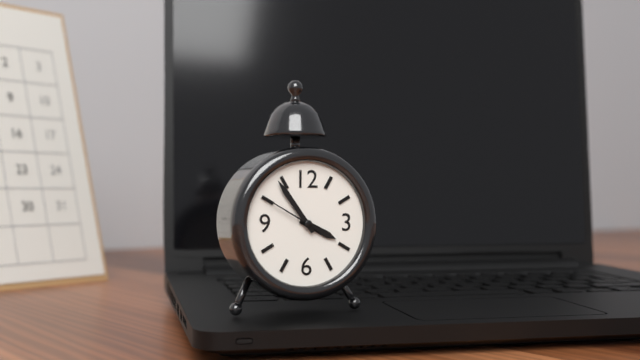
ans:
**3:54:50**
